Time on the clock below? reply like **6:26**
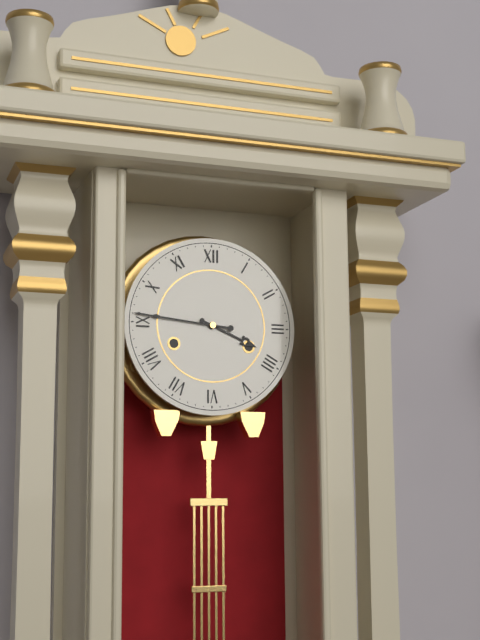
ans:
**3:46**
